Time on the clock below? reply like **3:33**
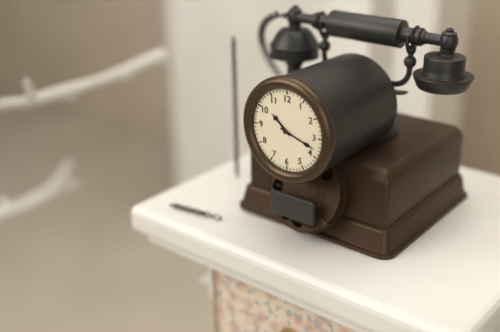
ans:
**10:18**
